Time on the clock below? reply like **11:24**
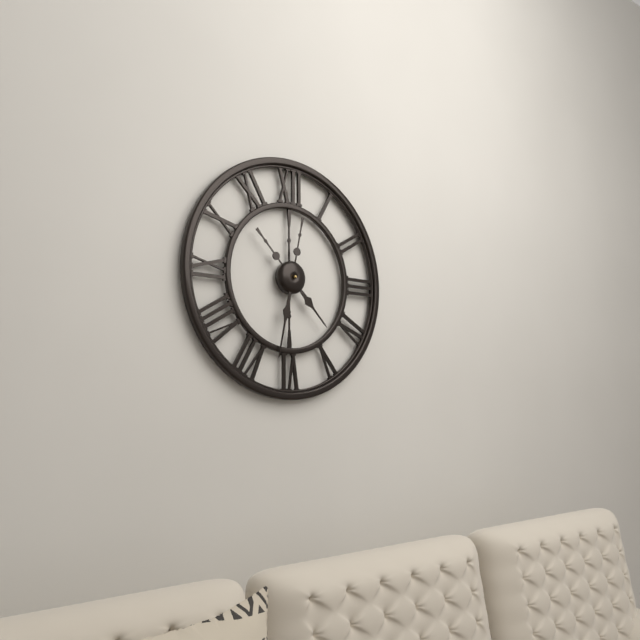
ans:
**4:32**
